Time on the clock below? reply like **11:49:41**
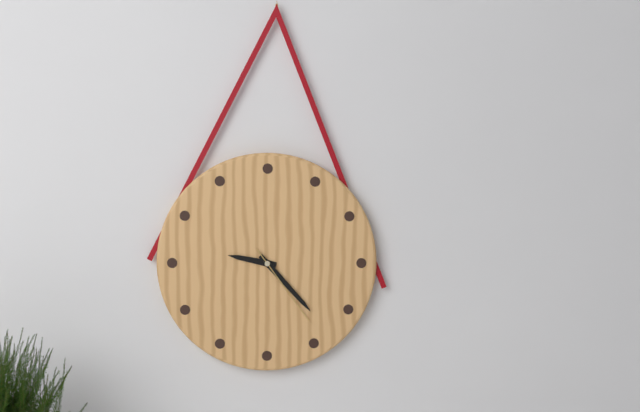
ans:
**9:23:24**
